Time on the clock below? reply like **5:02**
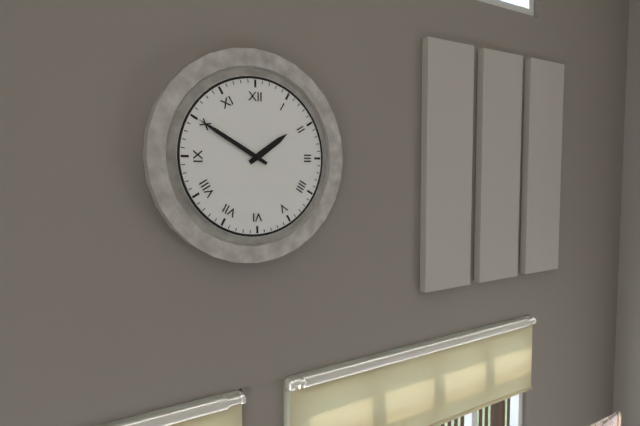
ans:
**1:50**
